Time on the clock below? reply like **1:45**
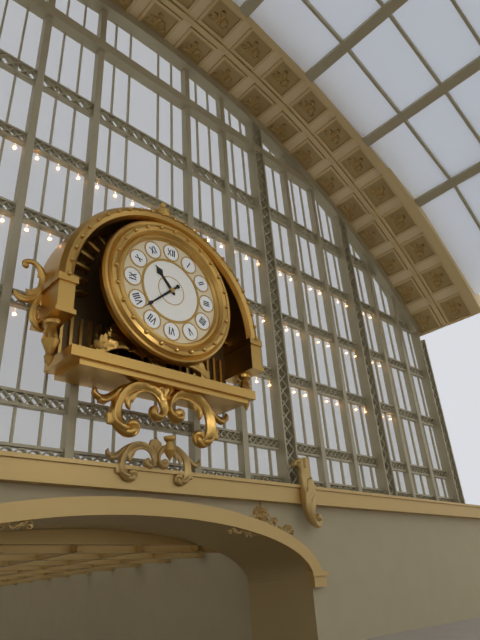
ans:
**10:38**
